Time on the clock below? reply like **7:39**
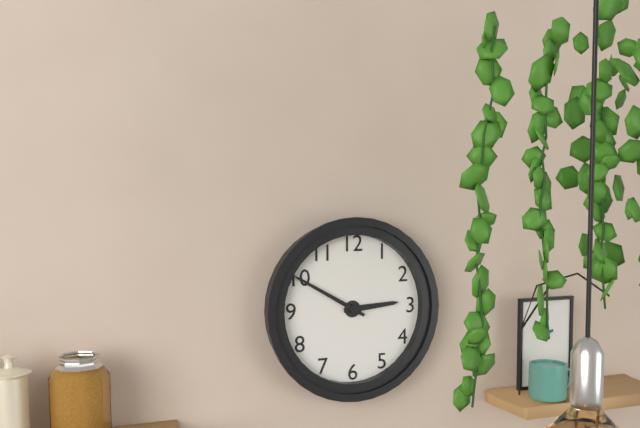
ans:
**2:50**
